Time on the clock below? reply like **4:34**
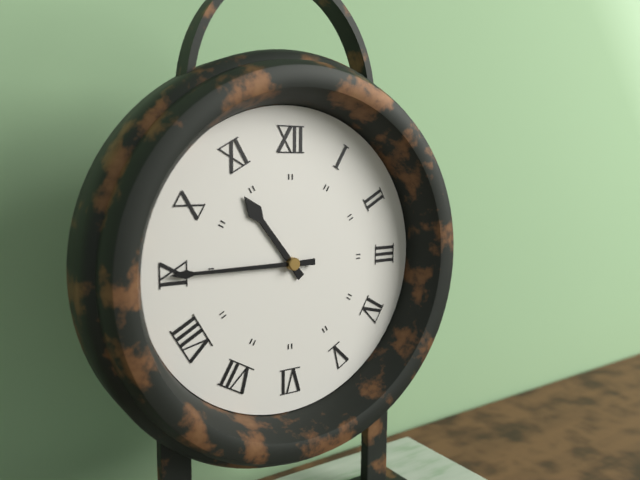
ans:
**10:45**
